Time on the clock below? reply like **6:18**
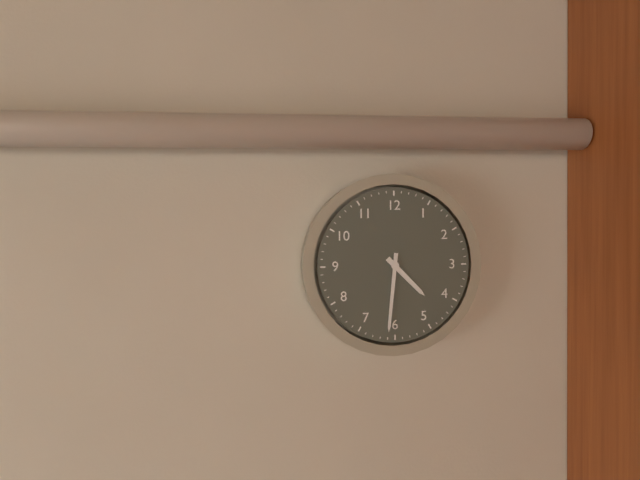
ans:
**4:31**
